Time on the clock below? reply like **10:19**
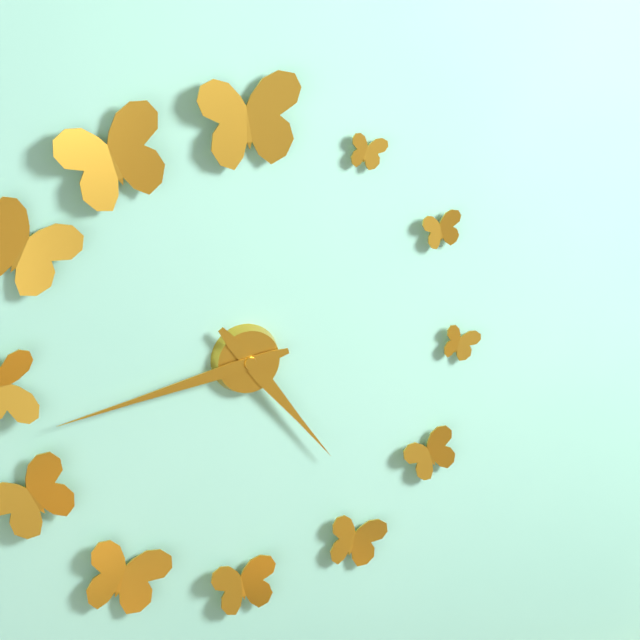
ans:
**4:43**
